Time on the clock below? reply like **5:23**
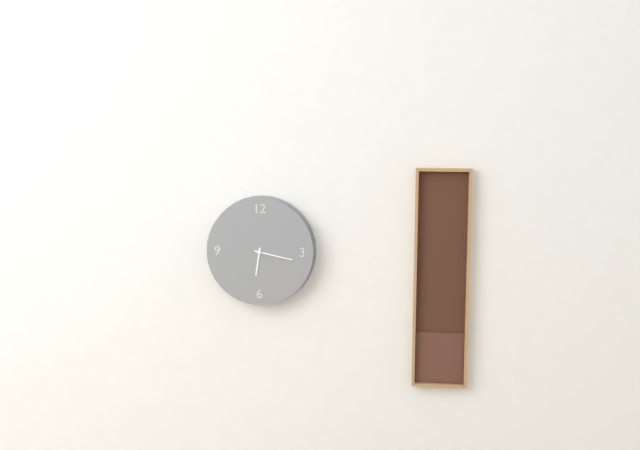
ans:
**6:17**
